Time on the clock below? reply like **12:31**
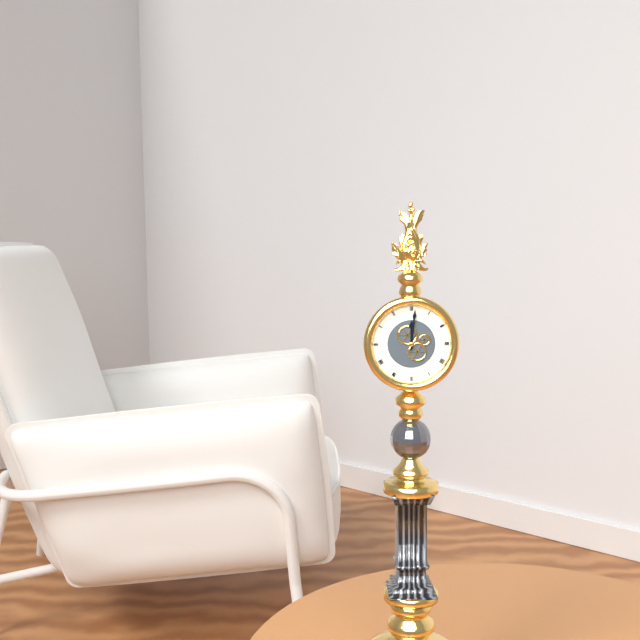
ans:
**12:01**
